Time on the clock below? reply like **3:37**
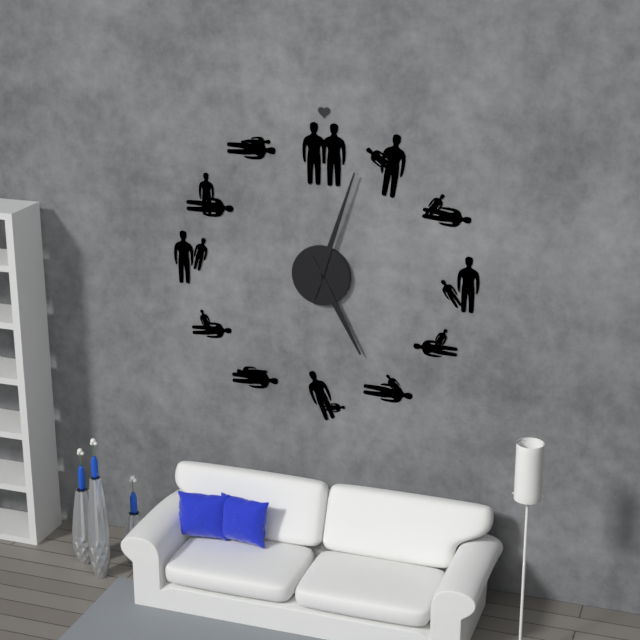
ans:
**5:03**
